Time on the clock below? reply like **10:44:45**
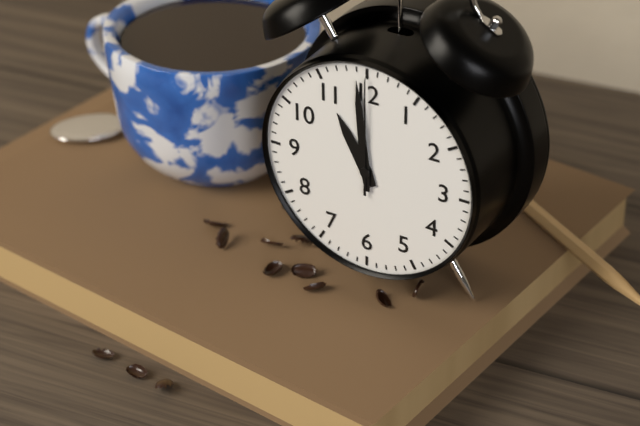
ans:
**10:59:00**
